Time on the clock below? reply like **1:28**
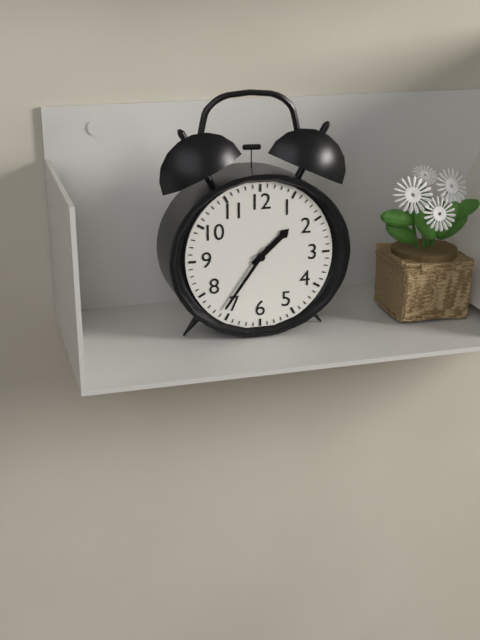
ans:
**1:36**
